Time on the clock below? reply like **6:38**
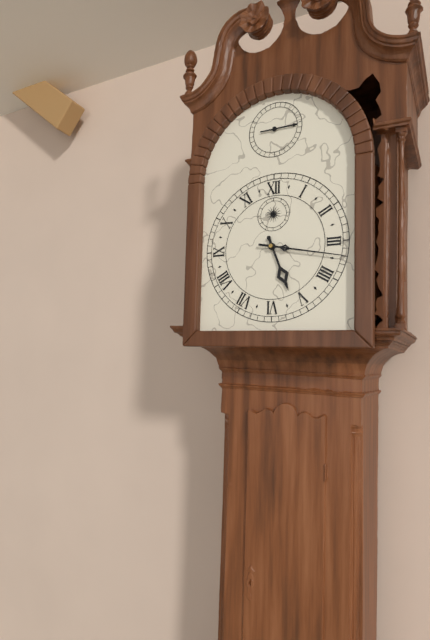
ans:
**5:17**
